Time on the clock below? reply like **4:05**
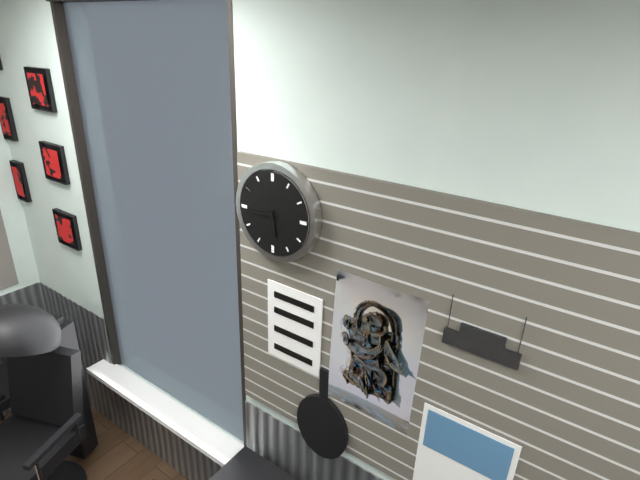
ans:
**5:44**
